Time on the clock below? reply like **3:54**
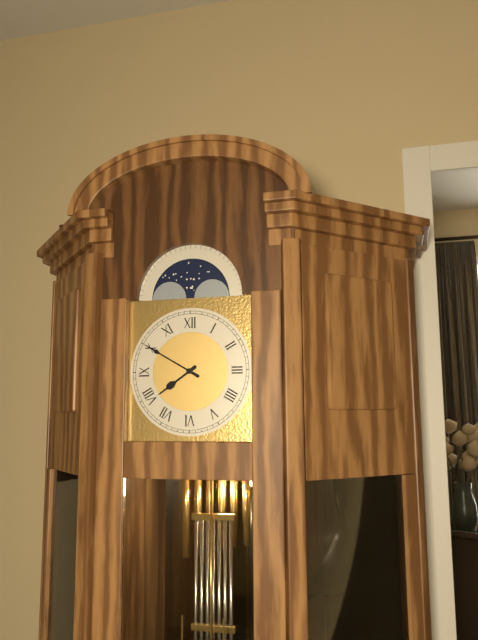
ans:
**7:50**
